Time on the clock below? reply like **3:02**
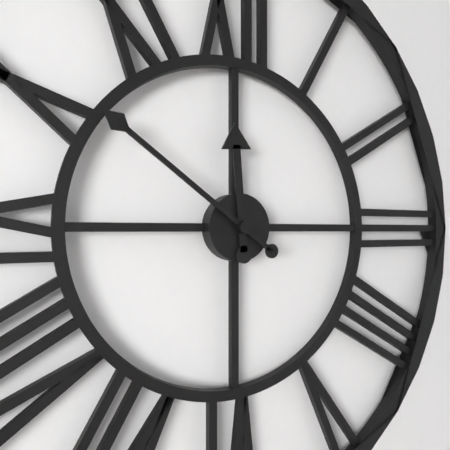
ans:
**11:51**
